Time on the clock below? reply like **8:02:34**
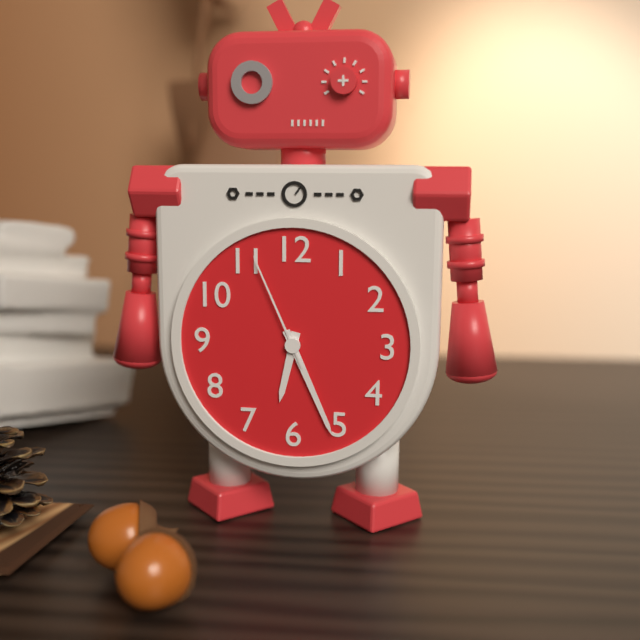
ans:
**6:26:56**
